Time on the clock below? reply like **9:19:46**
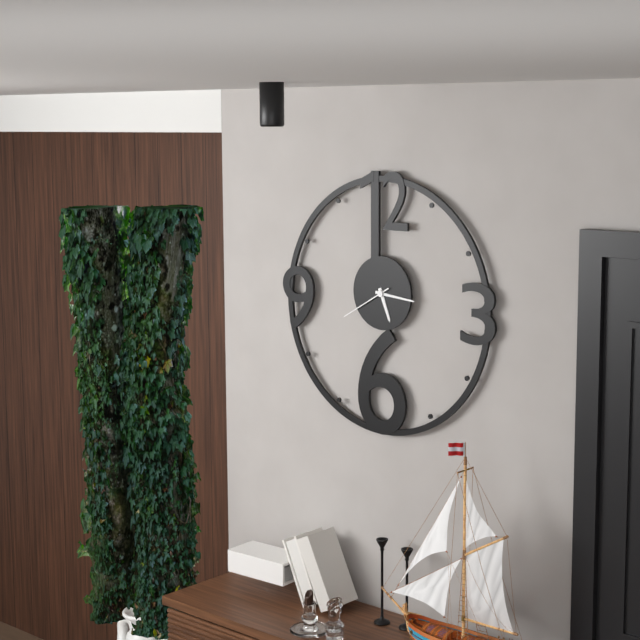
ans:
**5:16:40**
